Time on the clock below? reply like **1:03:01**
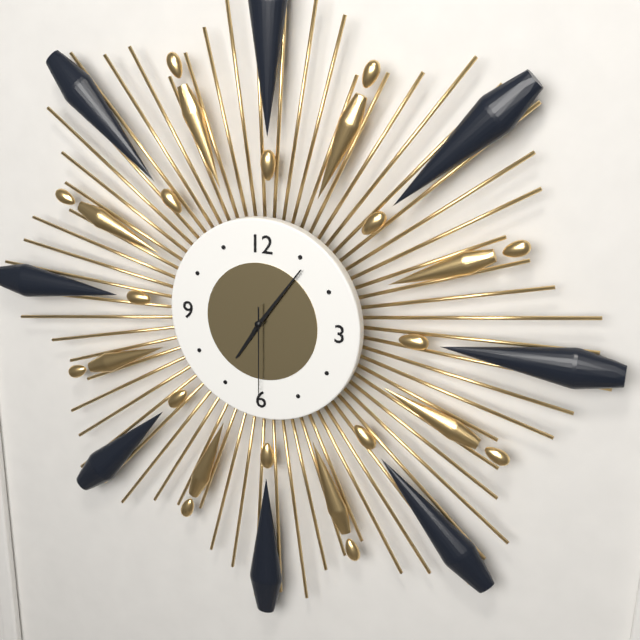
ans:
**7:06:30**
